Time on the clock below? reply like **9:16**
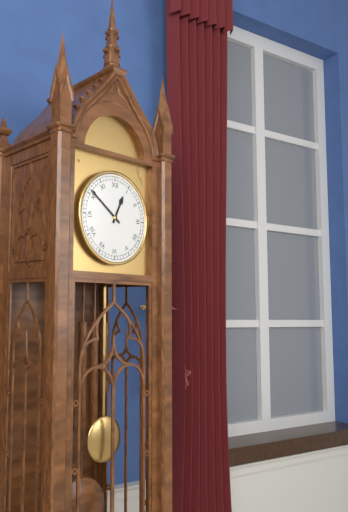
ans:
**12:51**
